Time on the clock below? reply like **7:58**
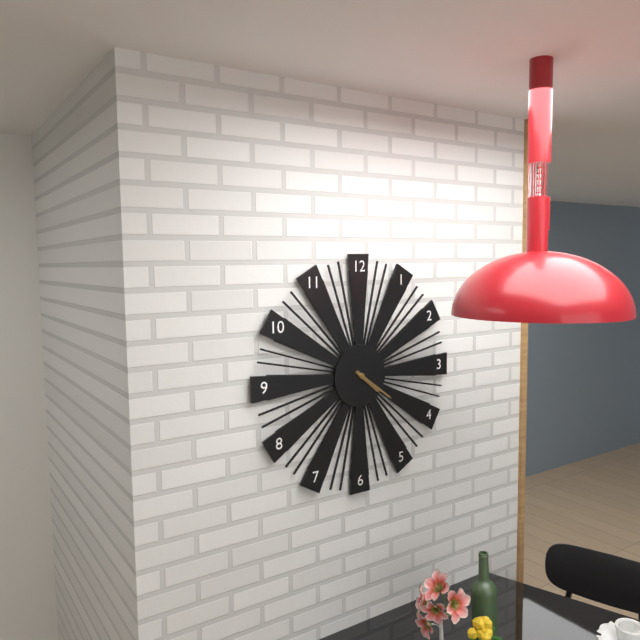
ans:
**4:21**
